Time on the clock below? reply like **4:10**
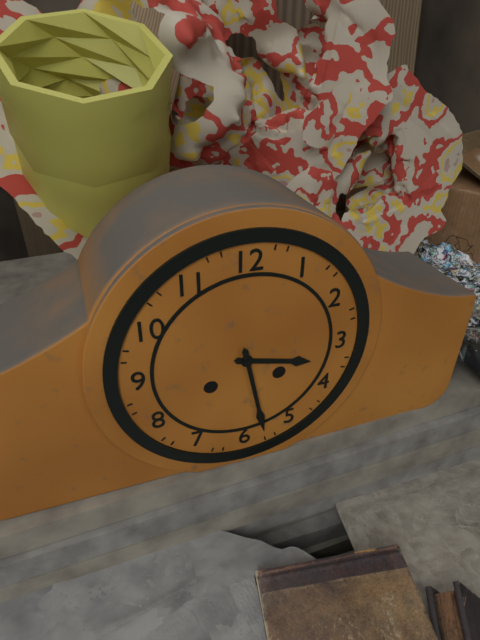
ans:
**3:28**
